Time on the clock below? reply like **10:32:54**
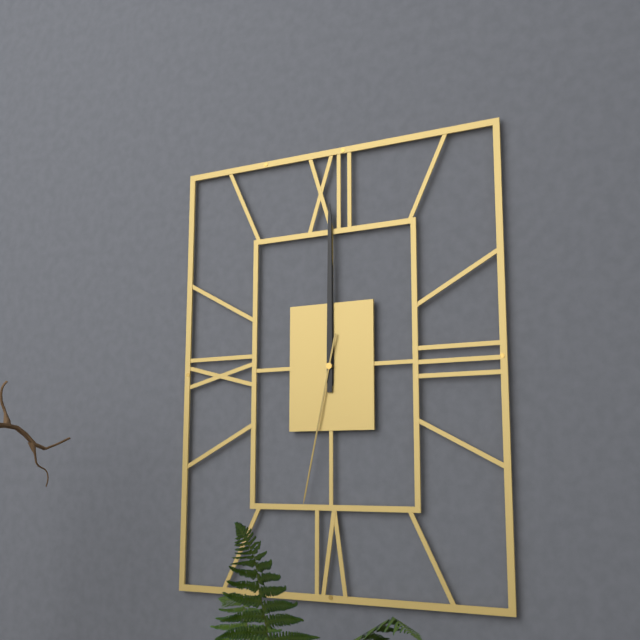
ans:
**12:00:32**
